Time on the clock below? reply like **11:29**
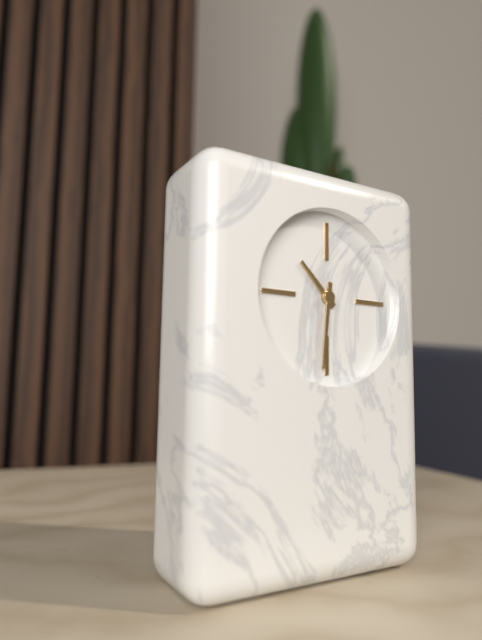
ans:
**10:31**
